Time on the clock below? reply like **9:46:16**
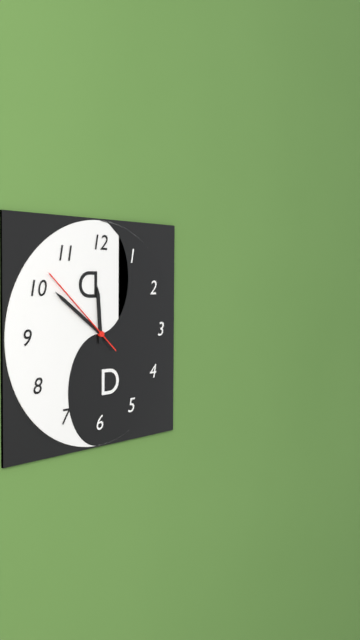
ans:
**11:51:52**
